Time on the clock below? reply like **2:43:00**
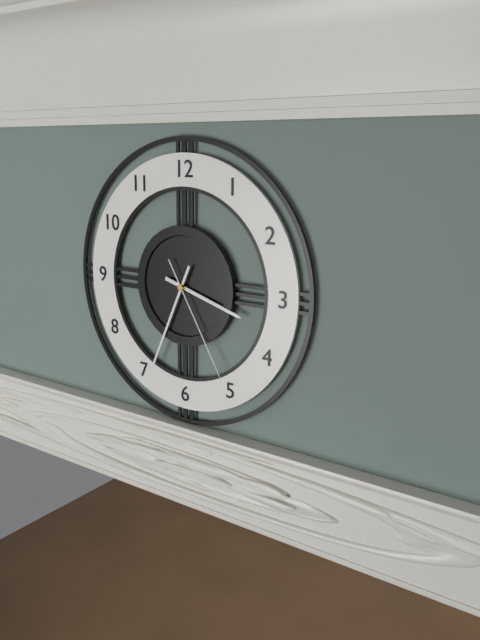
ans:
**3:34:25**
